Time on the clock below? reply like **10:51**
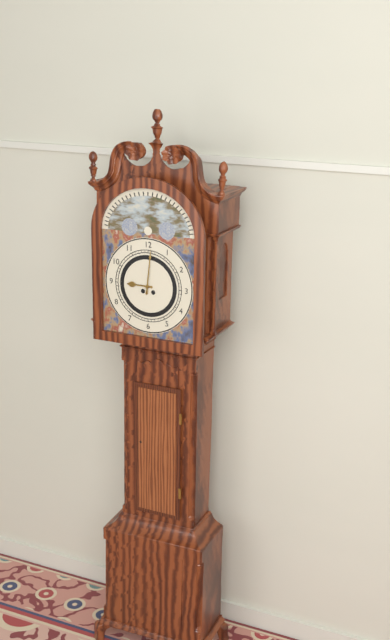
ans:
**9:01**
